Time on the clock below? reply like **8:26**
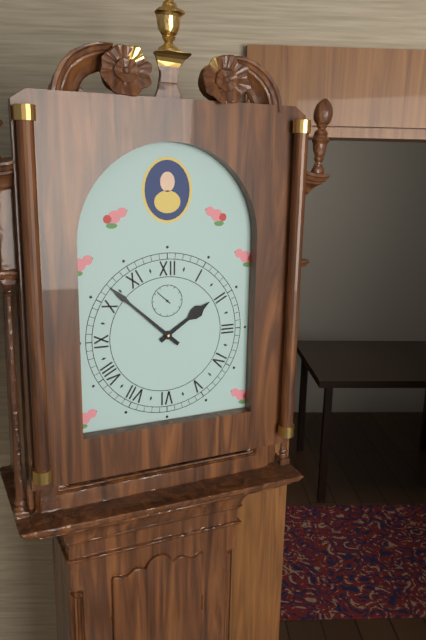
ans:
**1:52**
